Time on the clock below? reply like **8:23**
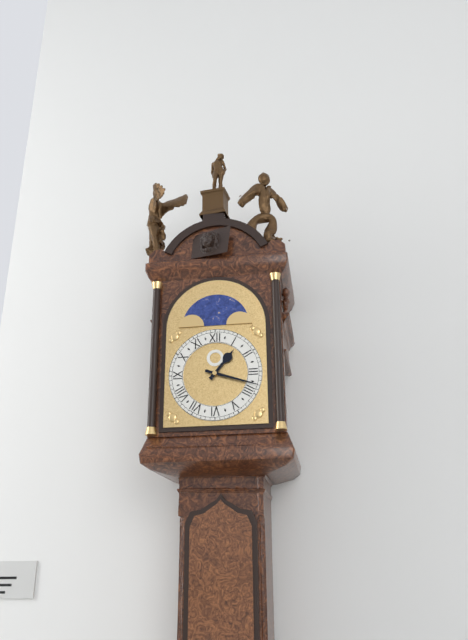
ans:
**1:18**
